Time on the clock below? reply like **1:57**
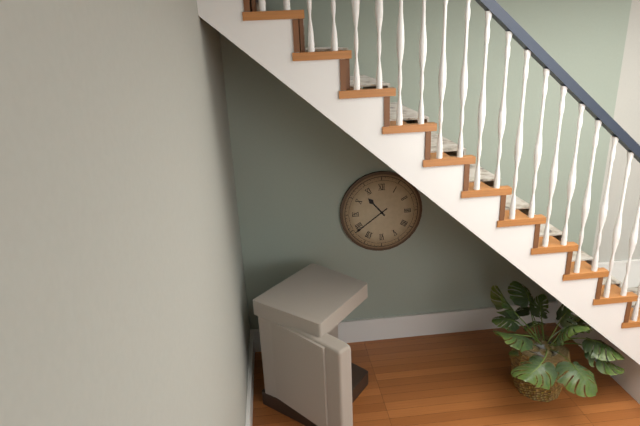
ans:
**10:39**
